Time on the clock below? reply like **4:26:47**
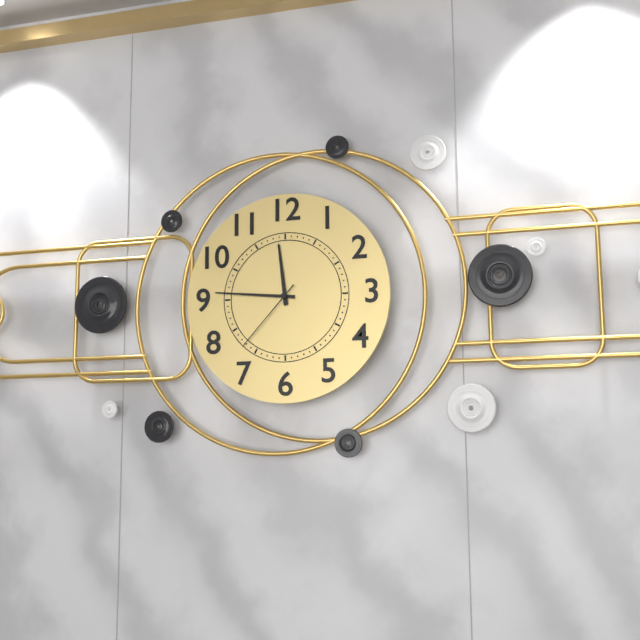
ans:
**11:46:37**
